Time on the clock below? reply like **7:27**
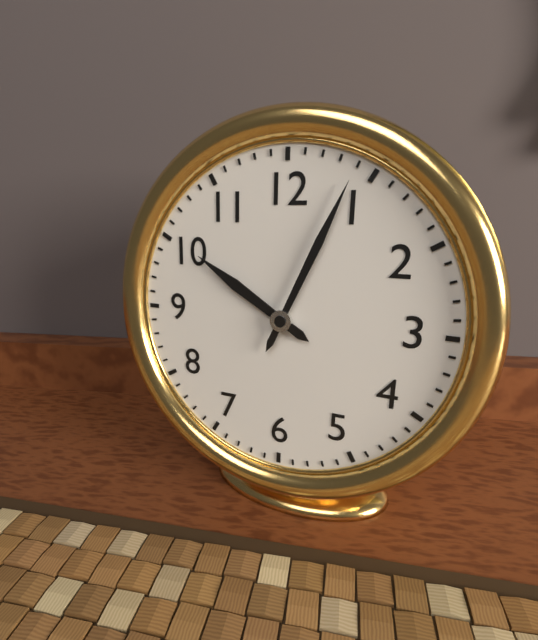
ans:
**10:04**
